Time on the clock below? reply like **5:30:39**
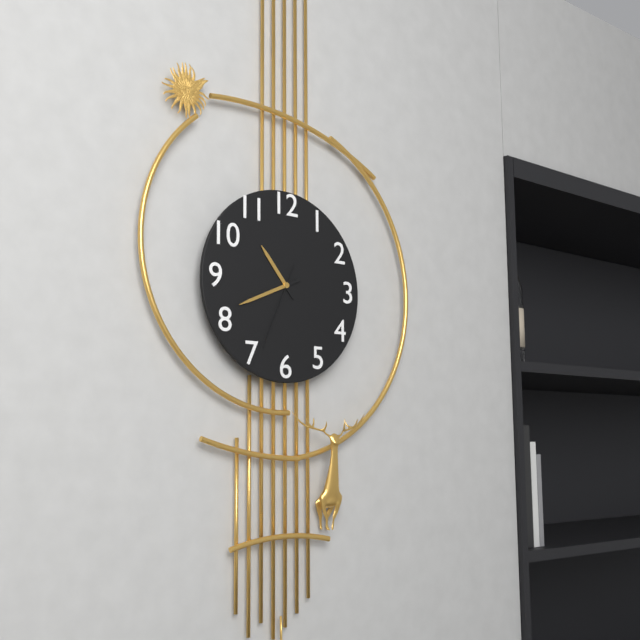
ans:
**10:41:34**
